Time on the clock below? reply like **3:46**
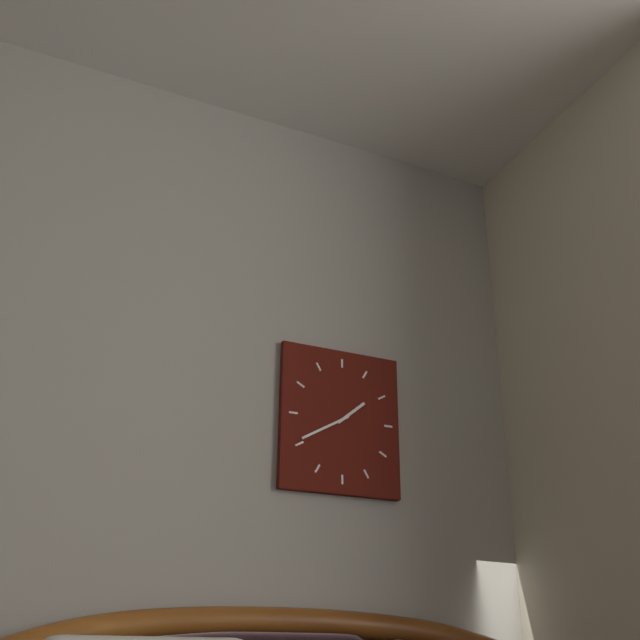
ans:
**1:40**
